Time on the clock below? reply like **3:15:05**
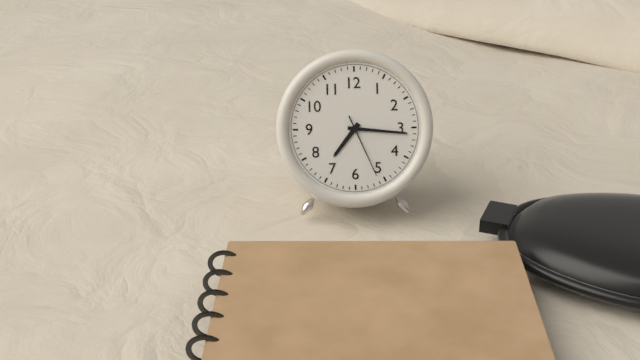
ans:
**7:16:26**
